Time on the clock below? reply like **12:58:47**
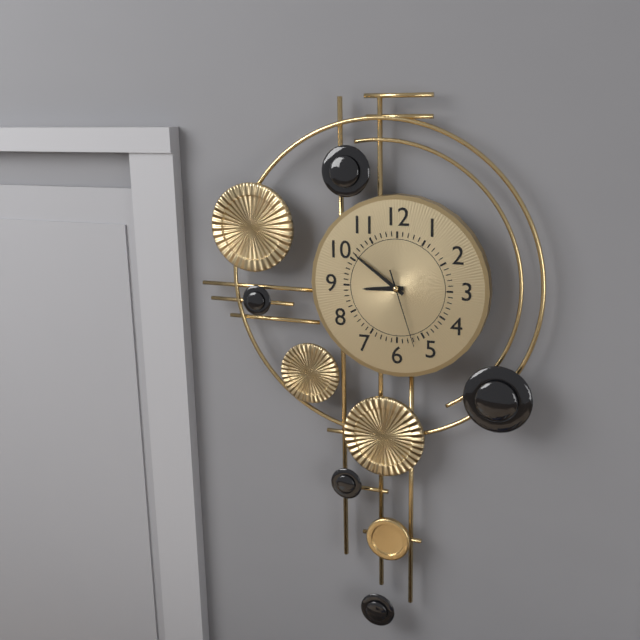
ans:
**8:51:27**
